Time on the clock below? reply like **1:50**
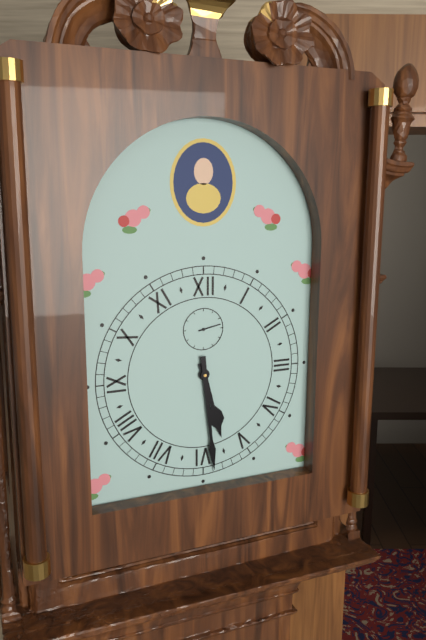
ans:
**5:29**
